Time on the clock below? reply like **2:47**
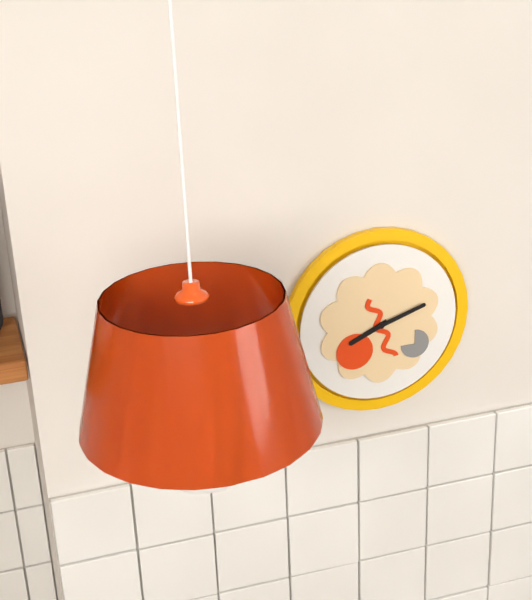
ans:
**8:12**
